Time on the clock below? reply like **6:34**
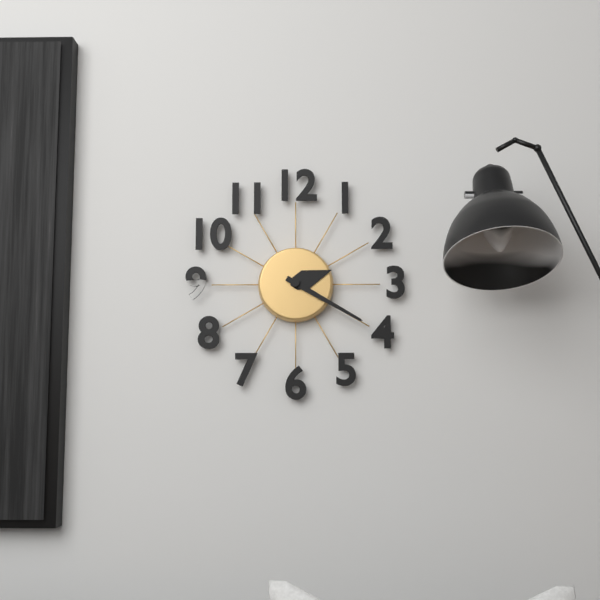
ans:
**2:20**
